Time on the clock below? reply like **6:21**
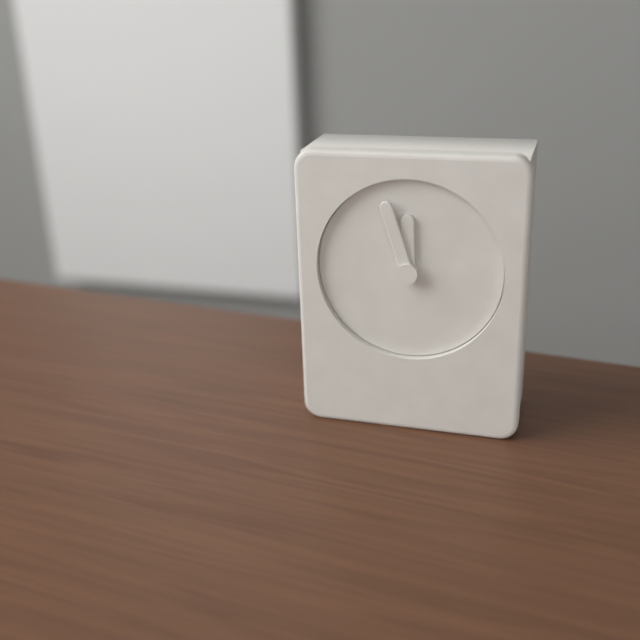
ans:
**11:57**
